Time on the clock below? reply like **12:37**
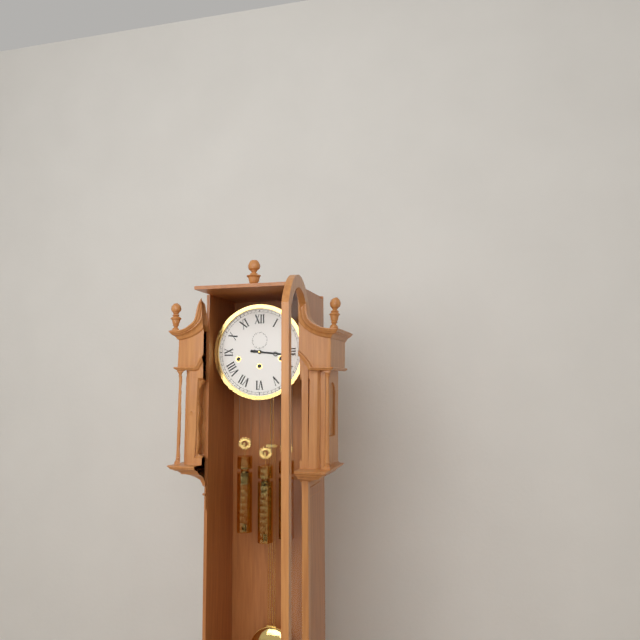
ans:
**3:16**
